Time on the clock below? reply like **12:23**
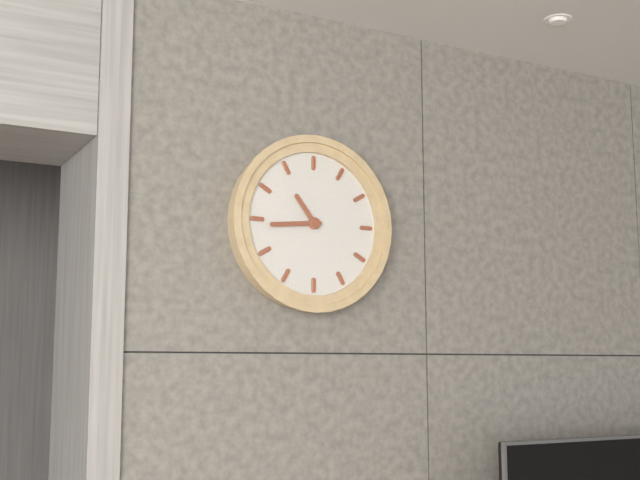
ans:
**10:44**
